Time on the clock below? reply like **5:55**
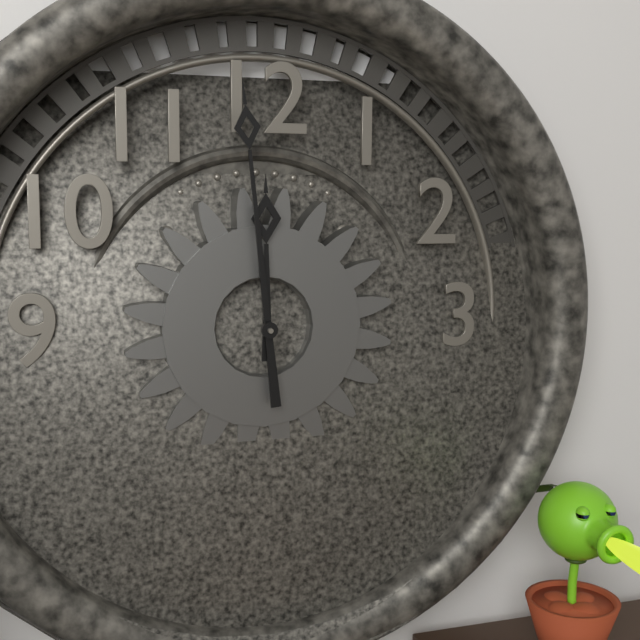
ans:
**11:59**
